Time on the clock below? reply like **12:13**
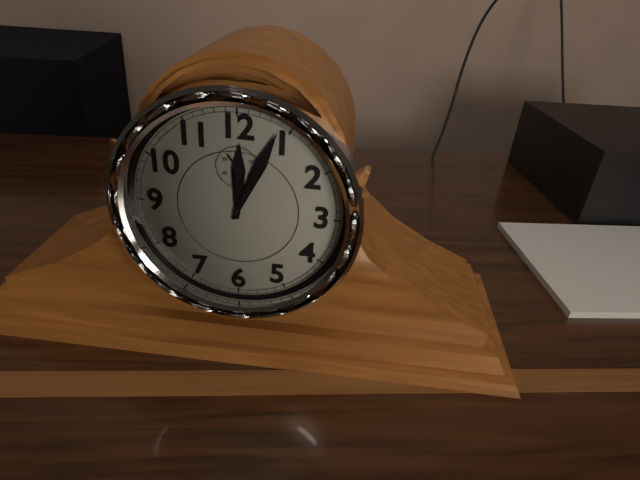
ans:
**12:04**
